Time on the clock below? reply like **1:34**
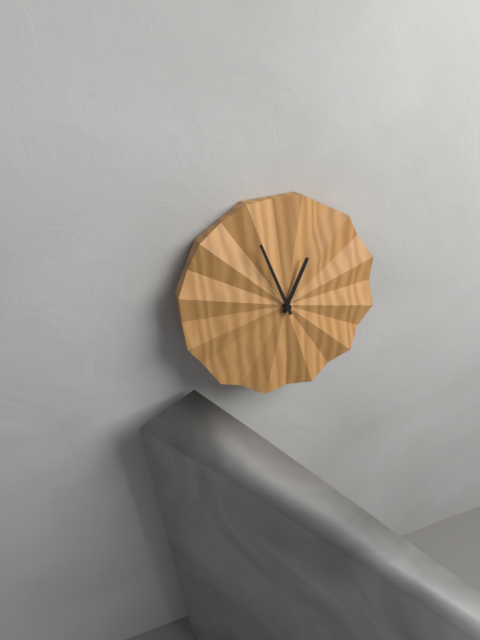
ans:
**12:57**
